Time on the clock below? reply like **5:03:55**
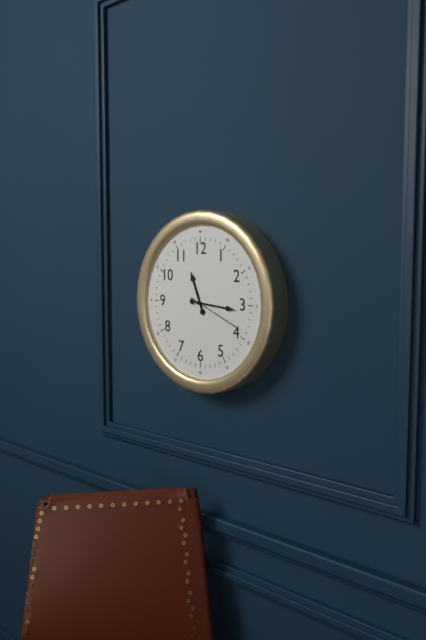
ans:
**11:16:19**
